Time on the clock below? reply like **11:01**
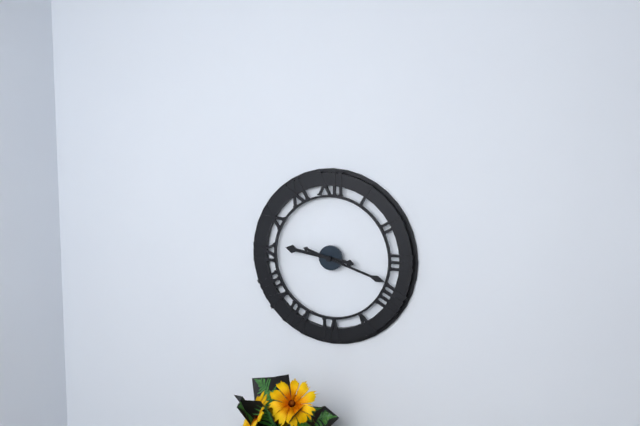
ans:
**9:18**
